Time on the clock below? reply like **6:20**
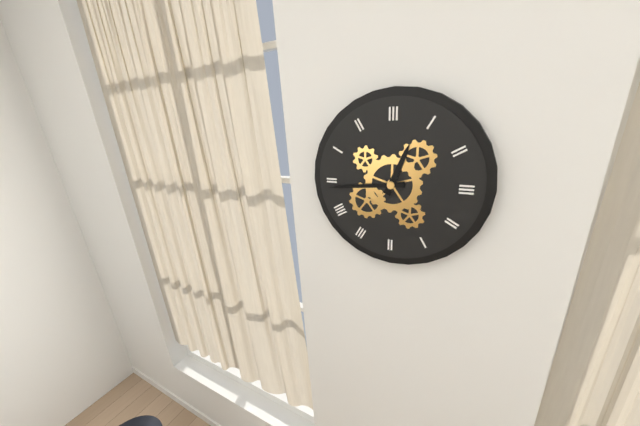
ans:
**12:44**
